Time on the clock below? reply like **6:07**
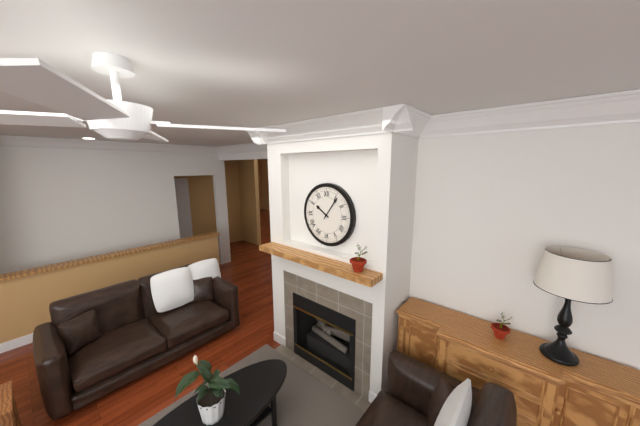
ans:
**10:06**
